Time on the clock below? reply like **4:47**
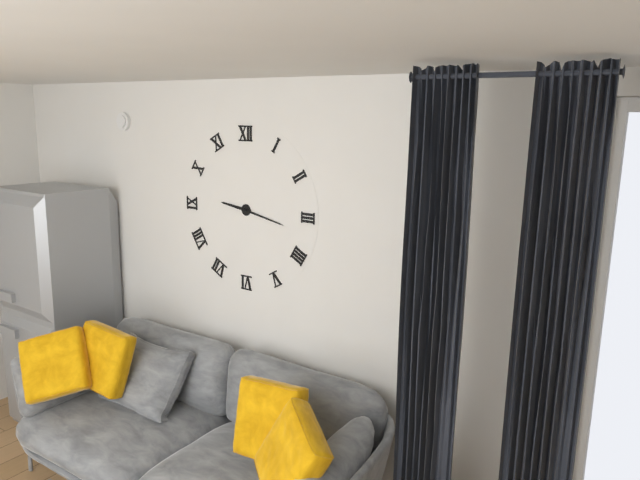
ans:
**9:17**
